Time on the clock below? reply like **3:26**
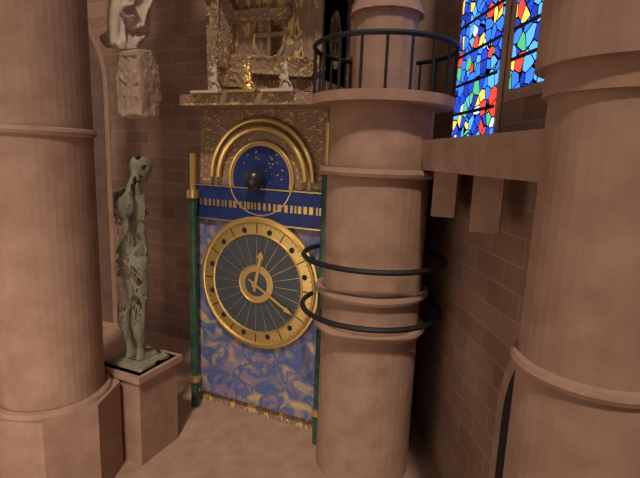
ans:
**12:20**
